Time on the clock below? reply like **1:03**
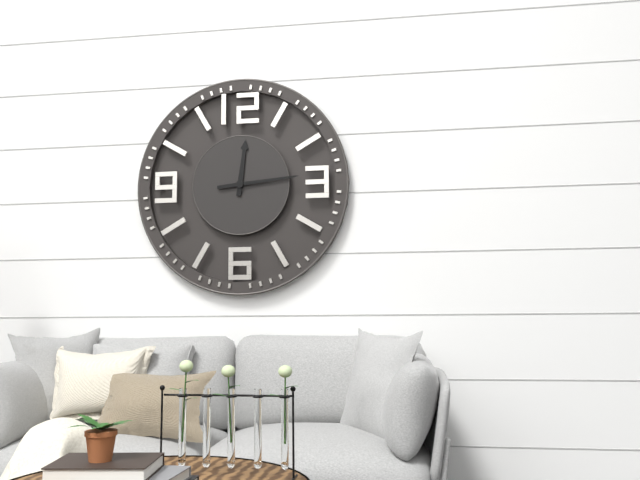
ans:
**12:14**
